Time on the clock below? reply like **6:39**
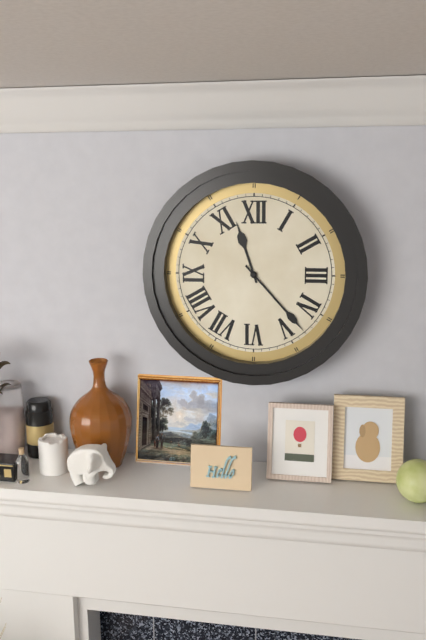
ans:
**11:23**
